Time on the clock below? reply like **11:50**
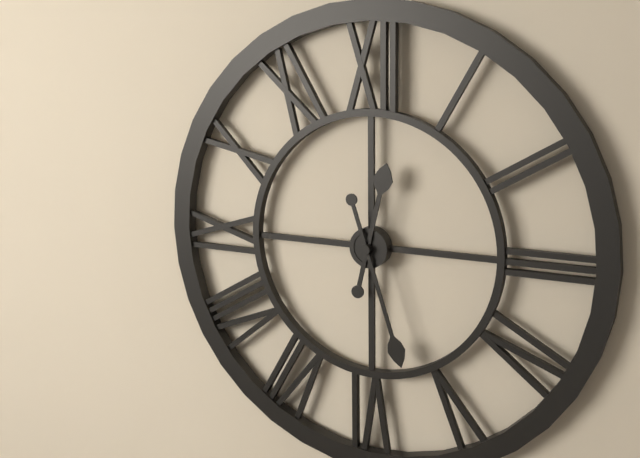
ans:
**12:27**
